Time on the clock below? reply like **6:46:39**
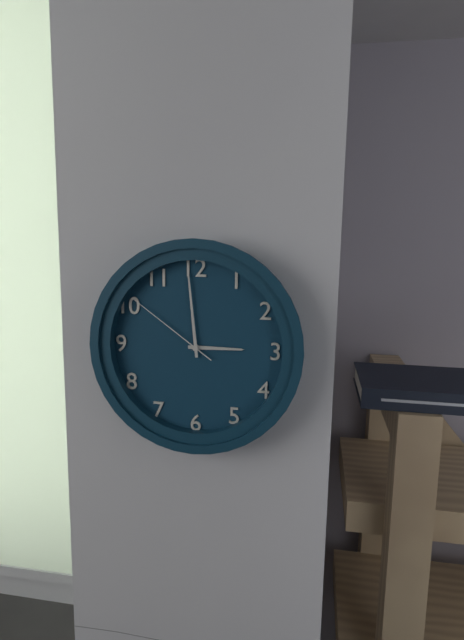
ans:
**2:59:51**
